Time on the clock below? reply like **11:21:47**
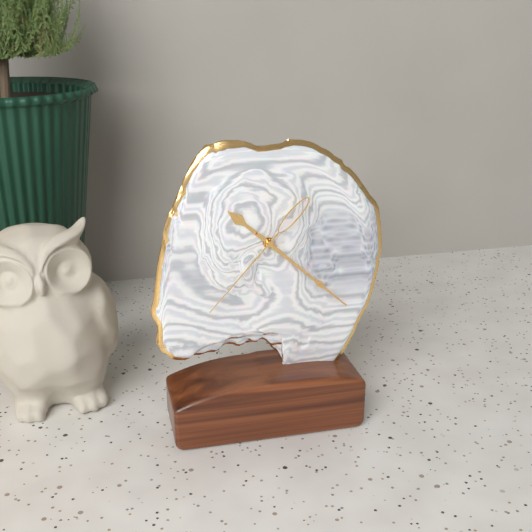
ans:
**10:22:37**
